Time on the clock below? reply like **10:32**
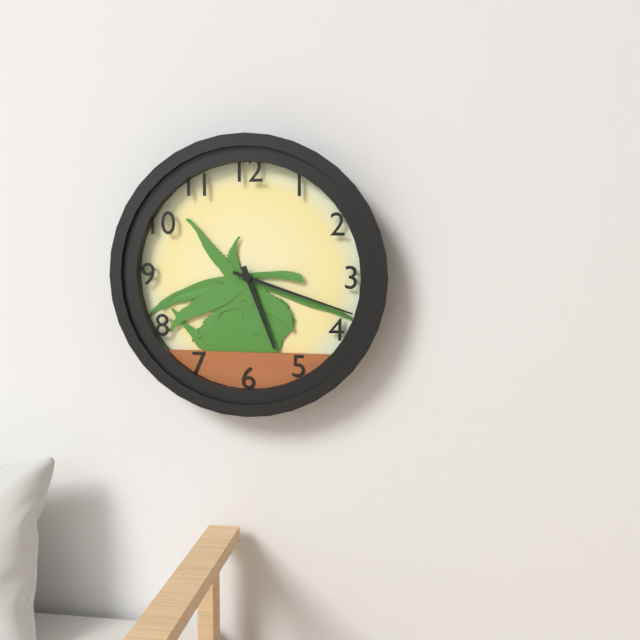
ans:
**5:18**
